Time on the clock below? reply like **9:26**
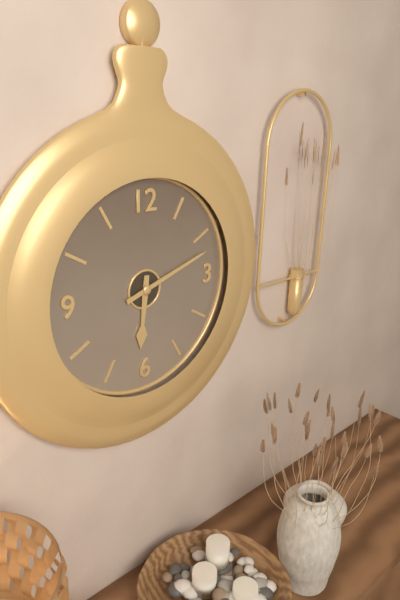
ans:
**6:12**
